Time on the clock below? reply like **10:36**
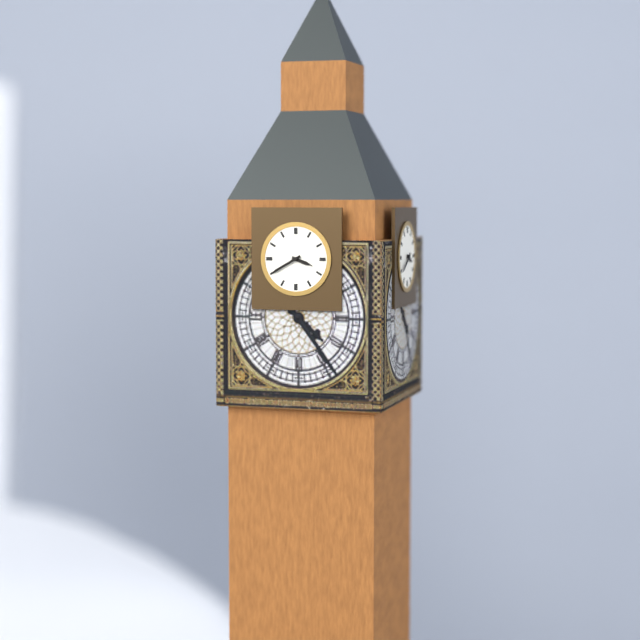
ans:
**3:40**
